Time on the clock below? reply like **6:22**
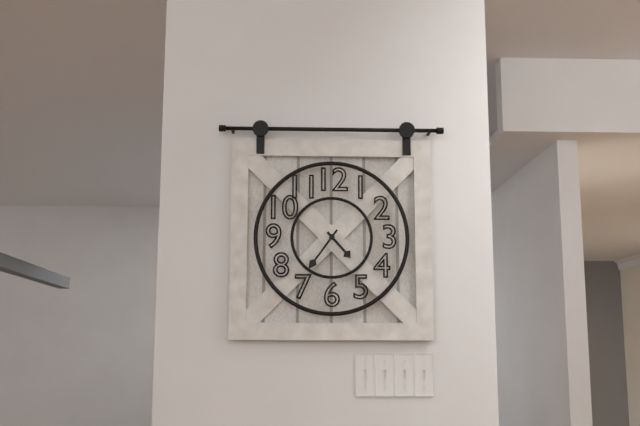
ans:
**4:36**
